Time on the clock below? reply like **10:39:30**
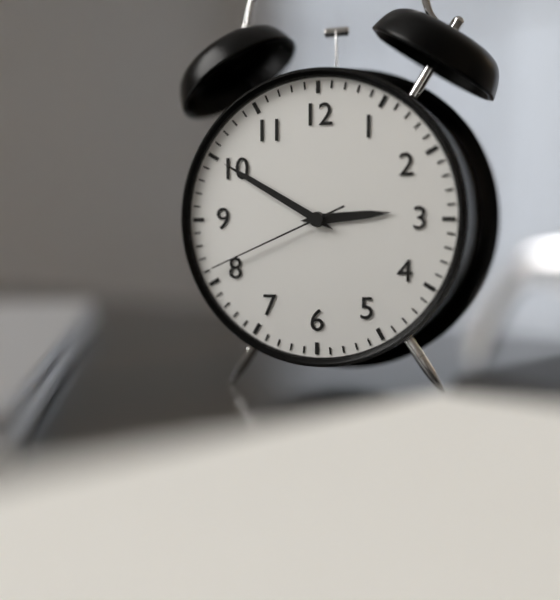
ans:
**2:50:41**
